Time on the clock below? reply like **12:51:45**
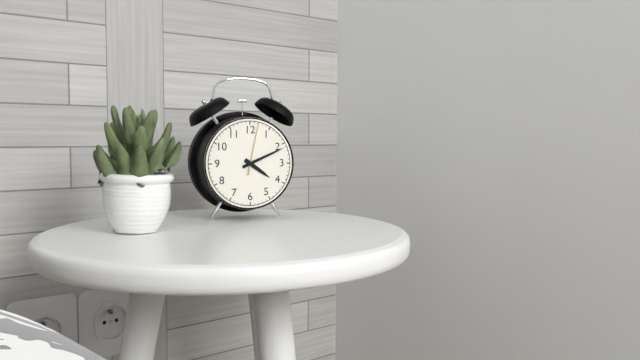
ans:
**4:11:02**
